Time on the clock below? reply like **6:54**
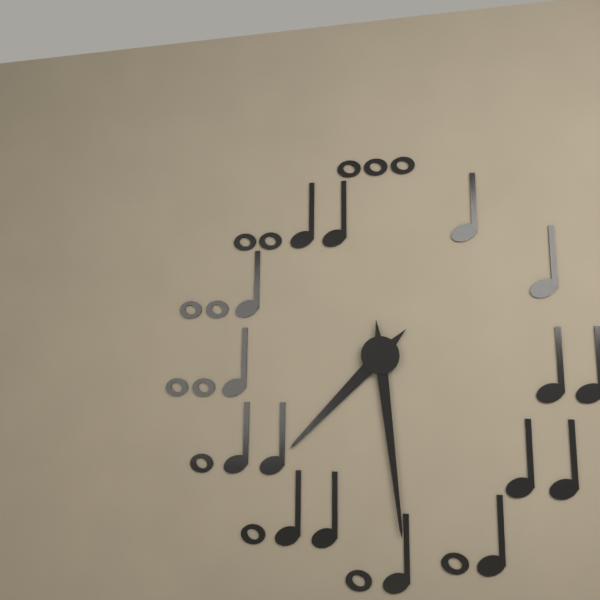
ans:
**7:29**
